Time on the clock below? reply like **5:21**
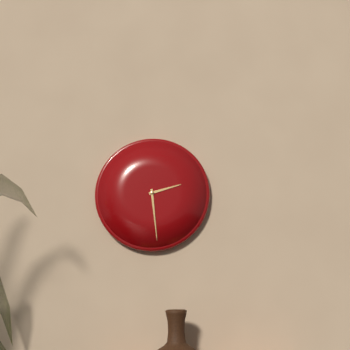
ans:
**2:29**
